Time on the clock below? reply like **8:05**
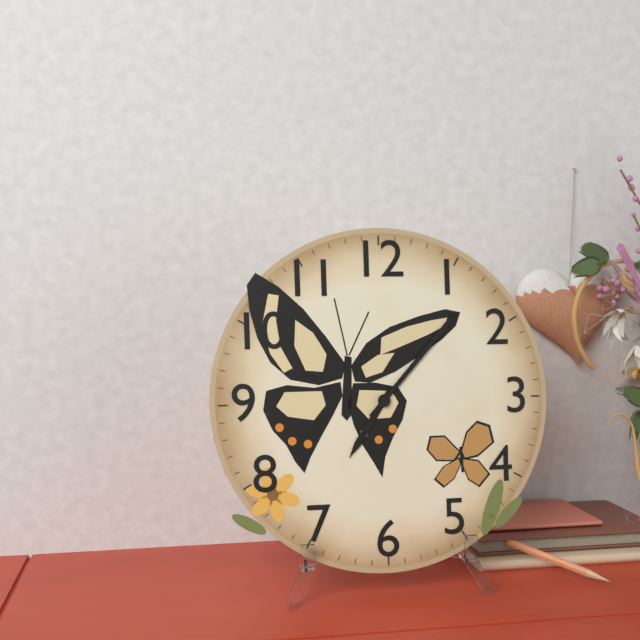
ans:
**7:07**
